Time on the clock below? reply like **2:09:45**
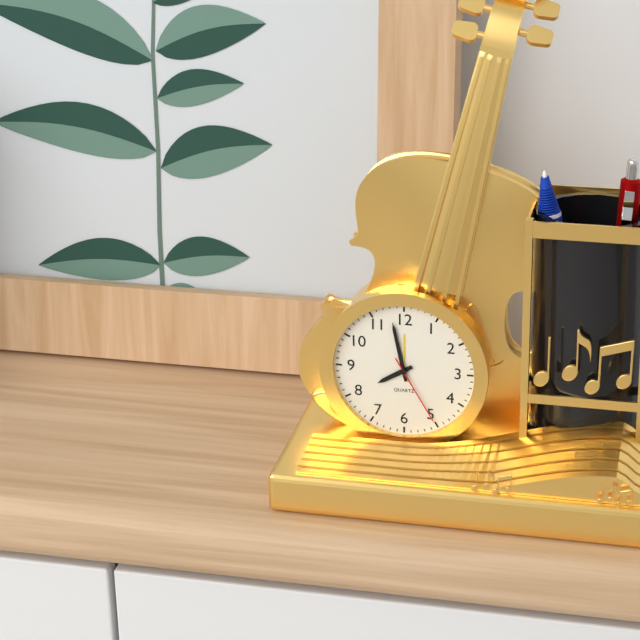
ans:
**7:58:25**
